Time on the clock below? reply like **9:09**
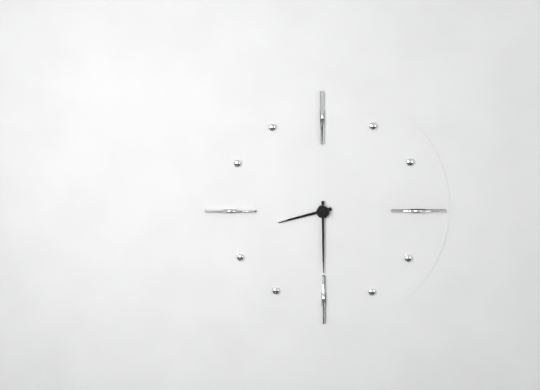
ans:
**8:30**
